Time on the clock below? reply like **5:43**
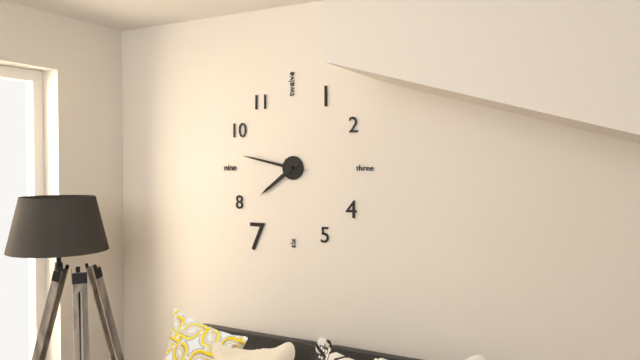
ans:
**7:47**
